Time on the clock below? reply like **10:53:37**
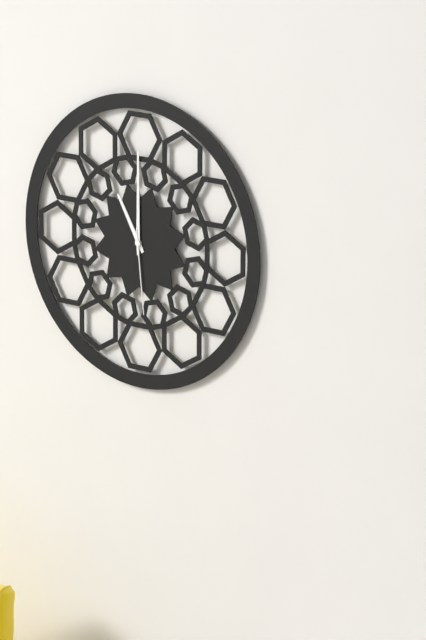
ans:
**11:00:29**
